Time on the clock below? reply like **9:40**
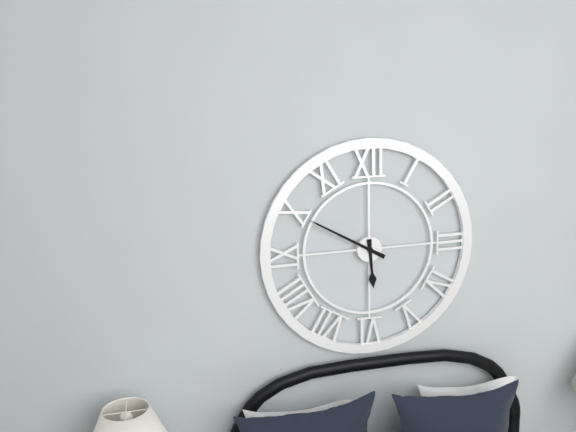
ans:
**5:50**
